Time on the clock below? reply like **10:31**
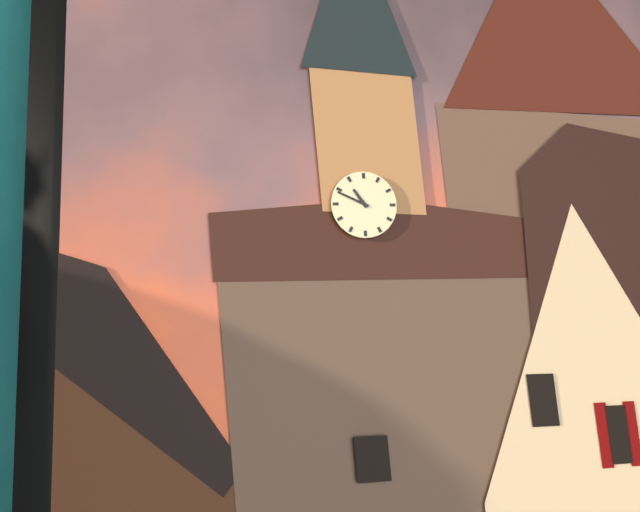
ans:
**10:49**
